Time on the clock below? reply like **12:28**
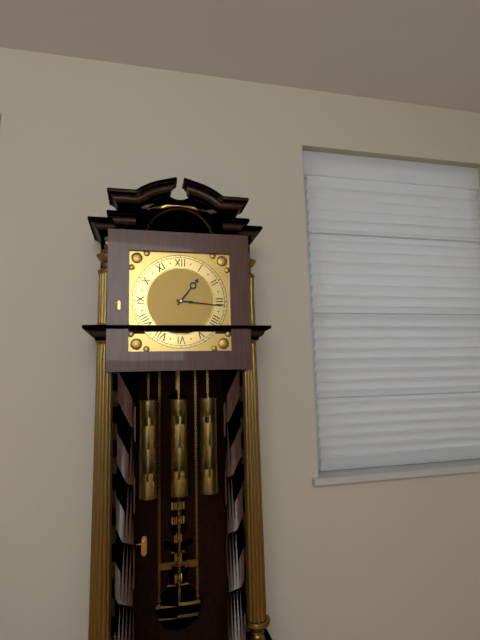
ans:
**1:16**
